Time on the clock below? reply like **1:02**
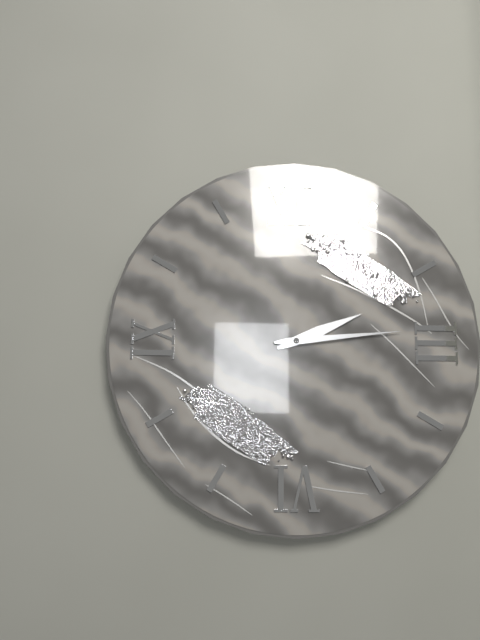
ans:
**2:14**
